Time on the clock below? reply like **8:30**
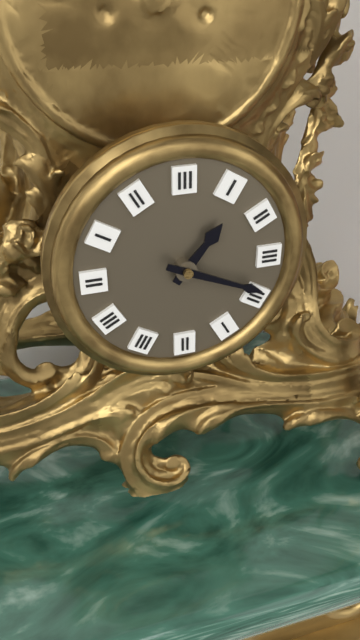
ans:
**1:19**
